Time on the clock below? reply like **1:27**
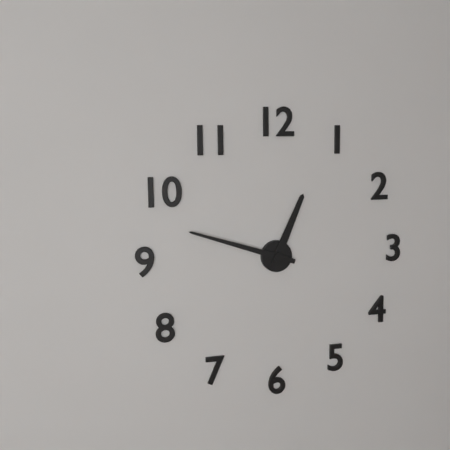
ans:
**12:48**
